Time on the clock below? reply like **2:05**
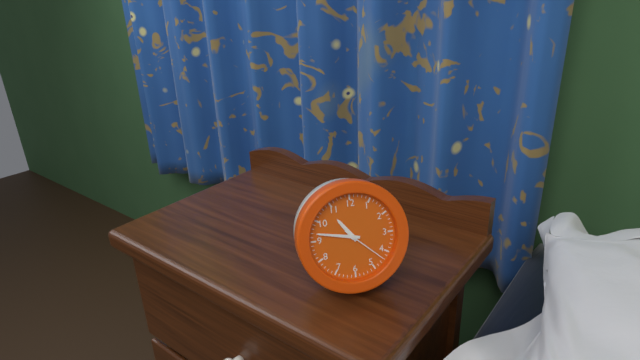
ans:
**10:47**
